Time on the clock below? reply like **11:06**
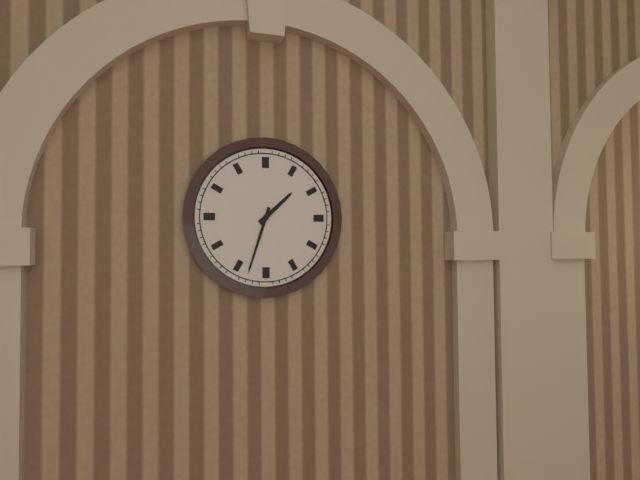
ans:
**1:33**
